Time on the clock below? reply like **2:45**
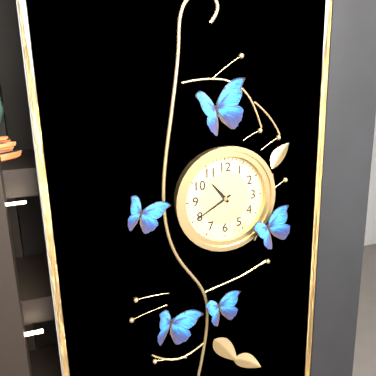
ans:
**10:40**
